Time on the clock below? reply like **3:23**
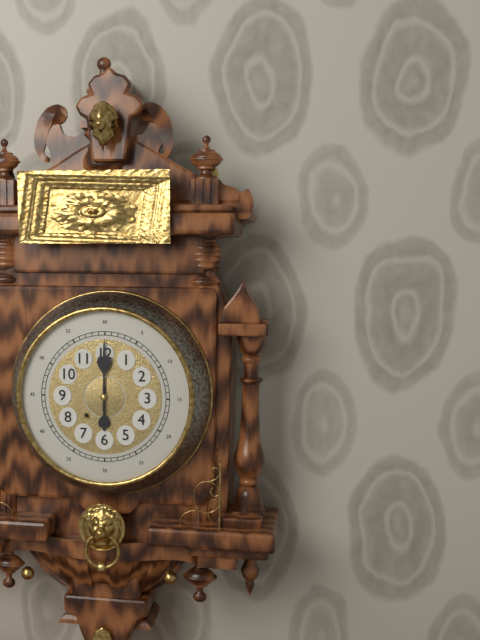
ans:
**6:00**
